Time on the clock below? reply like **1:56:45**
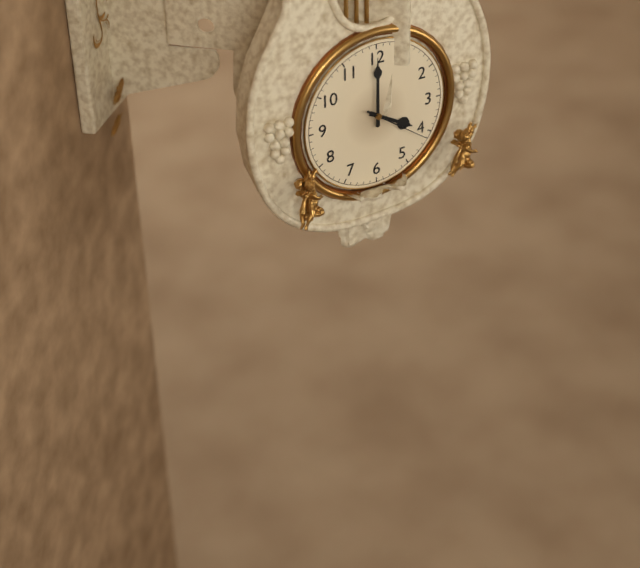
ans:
**4:00:21**
